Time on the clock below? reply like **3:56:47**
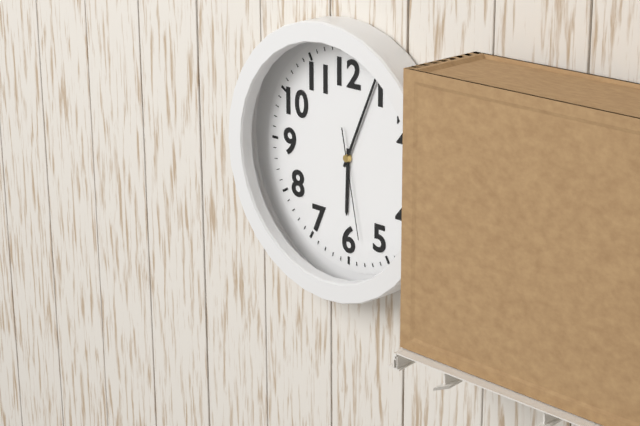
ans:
**6:04:28**
